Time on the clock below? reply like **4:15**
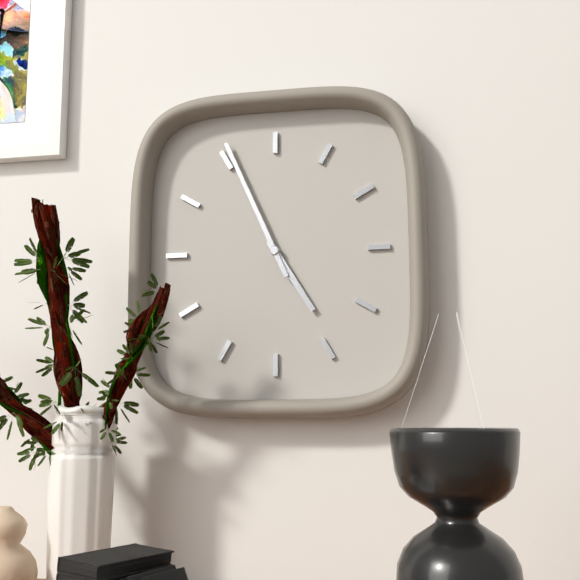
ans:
**4:56**
